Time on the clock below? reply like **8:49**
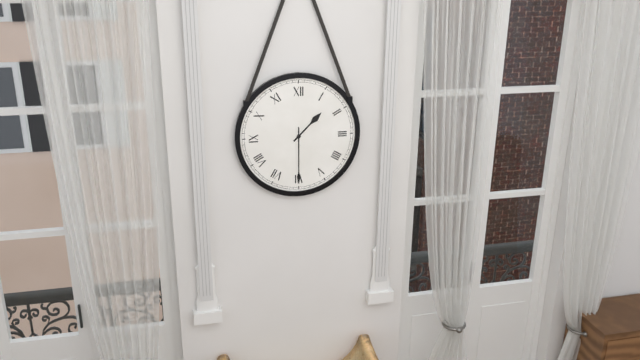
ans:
**1:30**
